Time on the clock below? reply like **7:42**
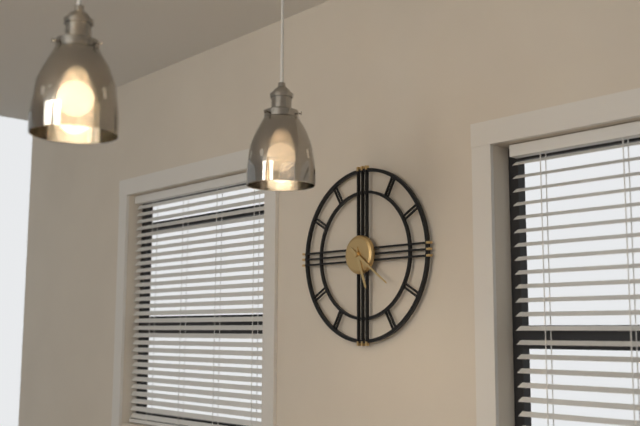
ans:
**5:21**
